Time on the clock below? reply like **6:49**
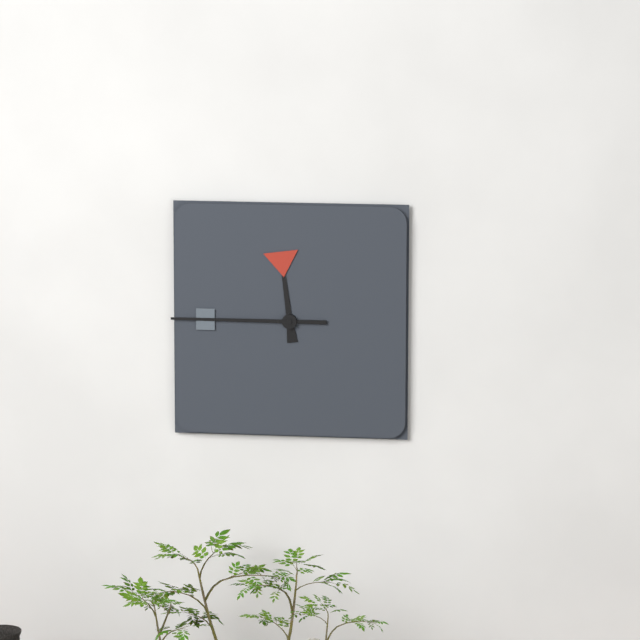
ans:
**11:45**
